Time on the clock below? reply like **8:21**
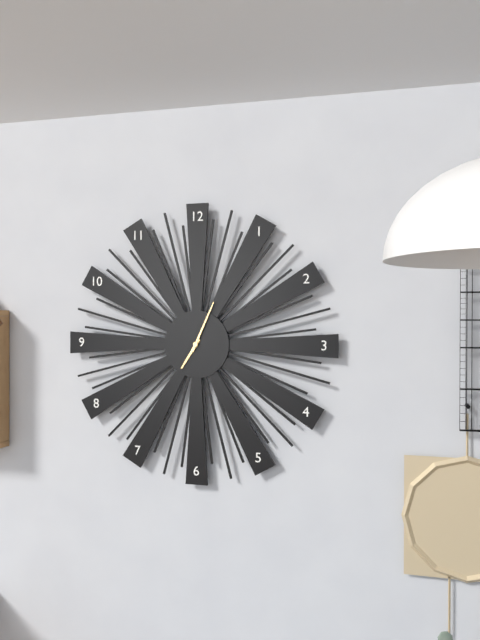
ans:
**7:04**
